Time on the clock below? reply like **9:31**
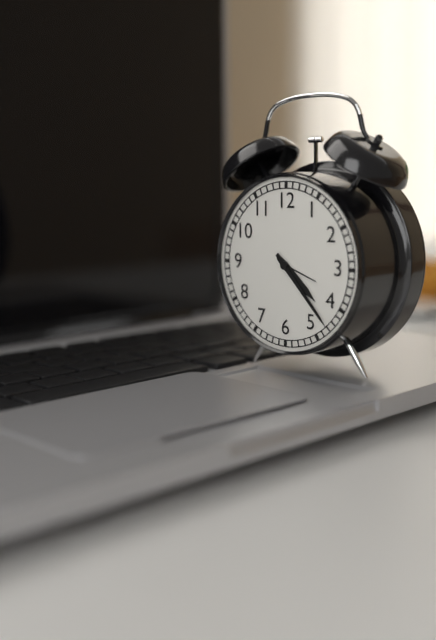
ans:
**4:23**
